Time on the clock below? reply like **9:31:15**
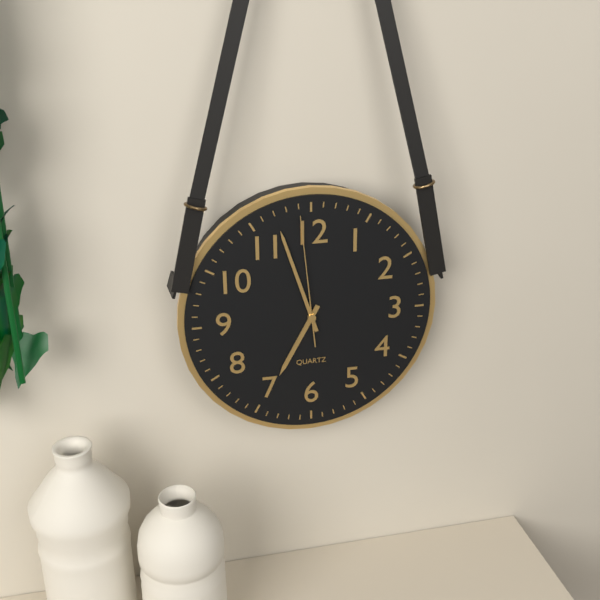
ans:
**6:57:59**
